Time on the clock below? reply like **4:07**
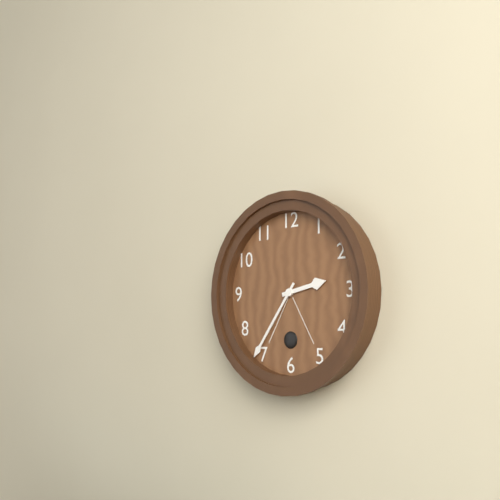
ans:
**2:36**
